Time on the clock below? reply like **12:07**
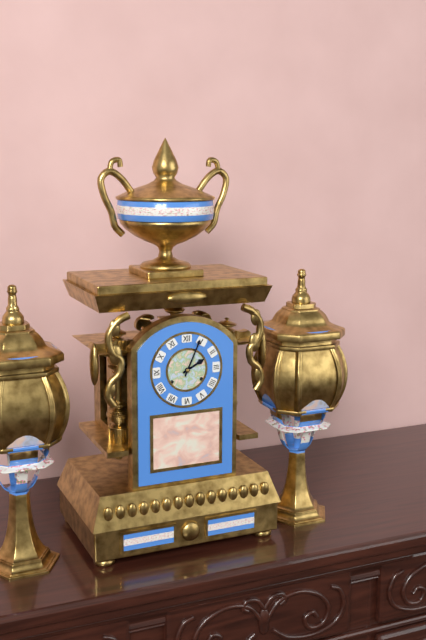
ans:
**2:04**
